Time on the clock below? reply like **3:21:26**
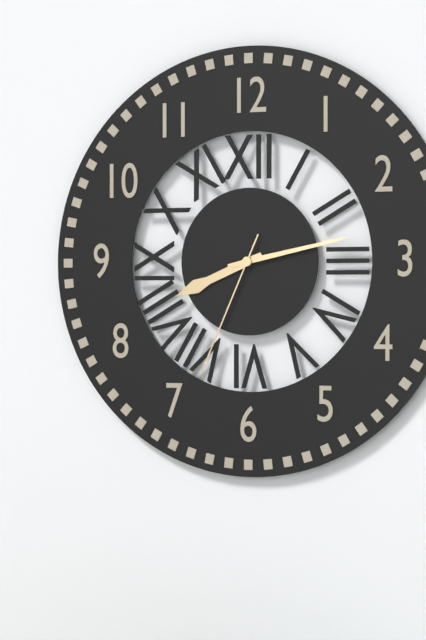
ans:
**8:13:34**
